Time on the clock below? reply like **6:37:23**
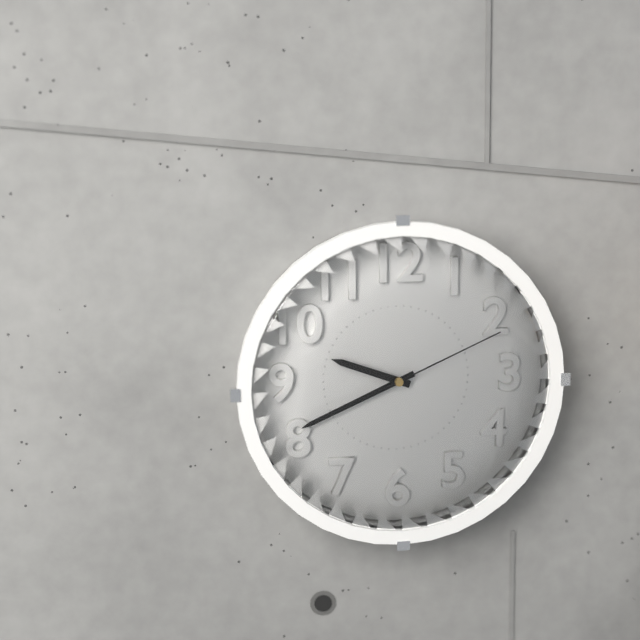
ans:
**9:41:11**
